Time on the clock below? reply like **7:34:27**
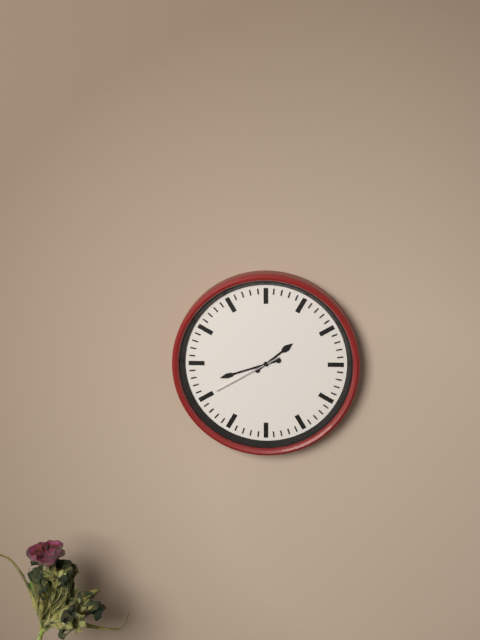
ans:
**1:42:40**
